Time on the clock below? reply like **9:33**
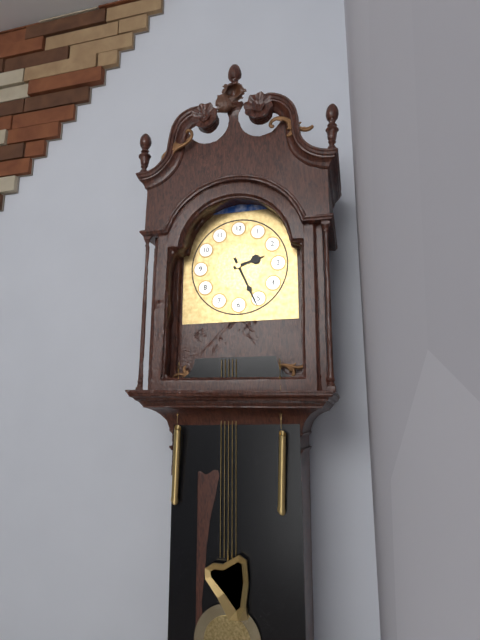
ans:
**2:26**
